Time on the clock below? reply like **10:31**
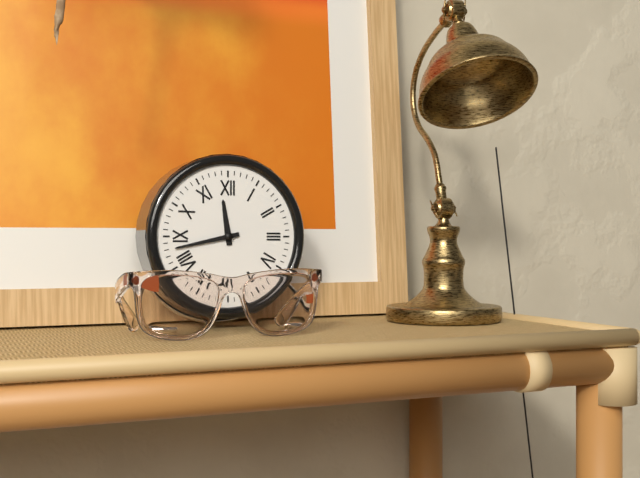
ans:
**11:43**
